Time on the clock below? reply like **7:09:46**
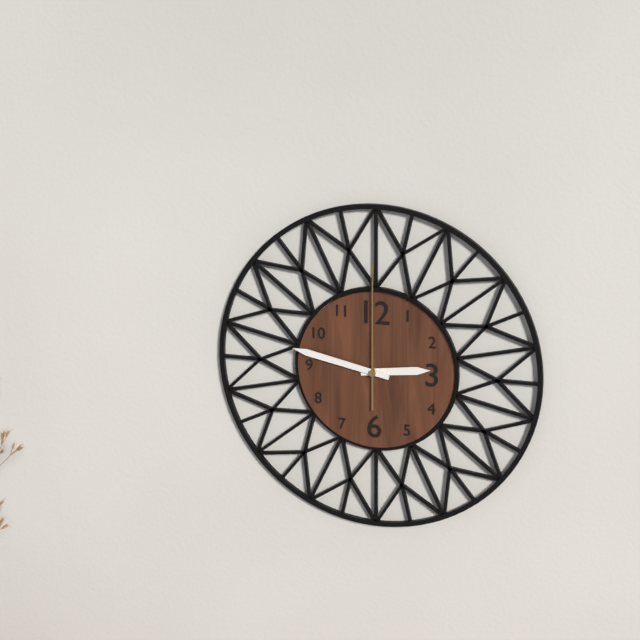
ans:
**2:47:00**
